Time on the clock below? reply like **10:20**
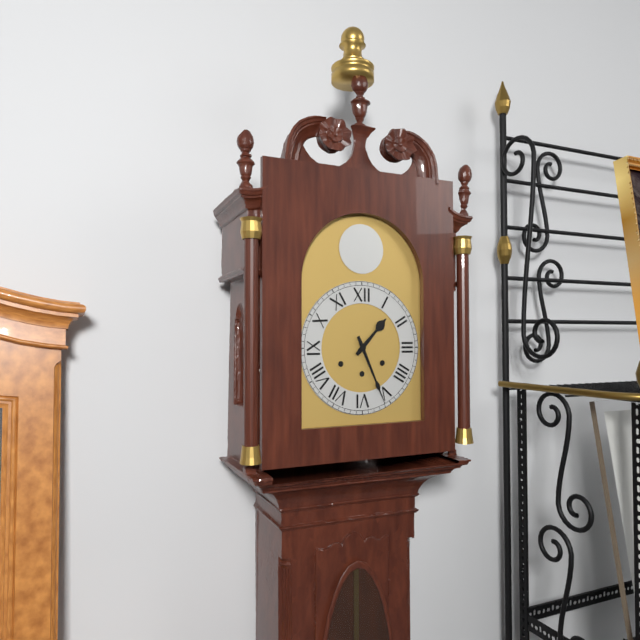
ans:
**1:26**
